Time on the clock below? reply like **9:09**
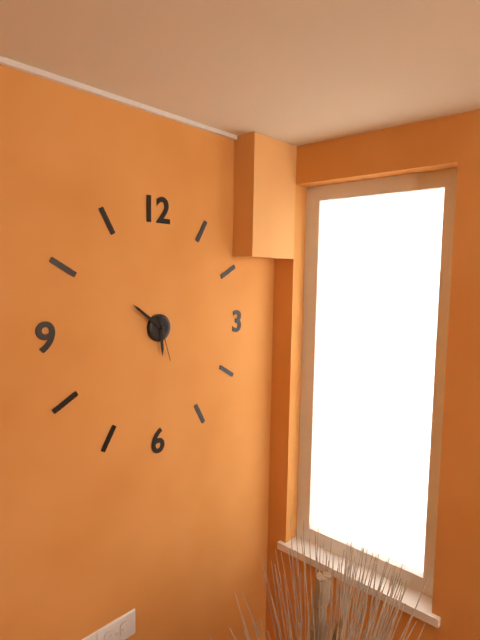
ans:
**5:51**
